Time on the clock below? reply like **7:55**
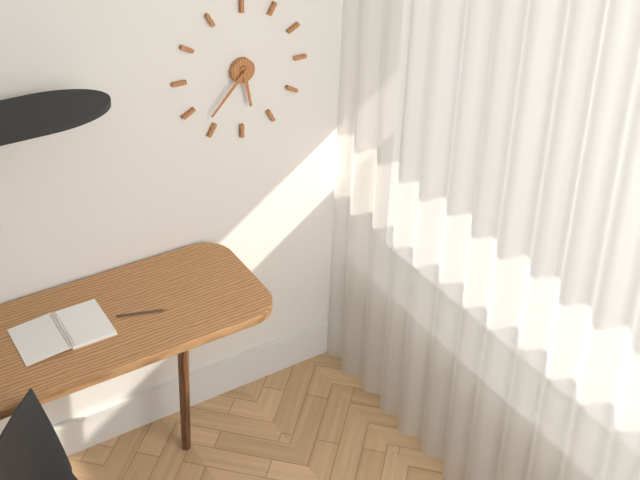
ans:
**5:37**
